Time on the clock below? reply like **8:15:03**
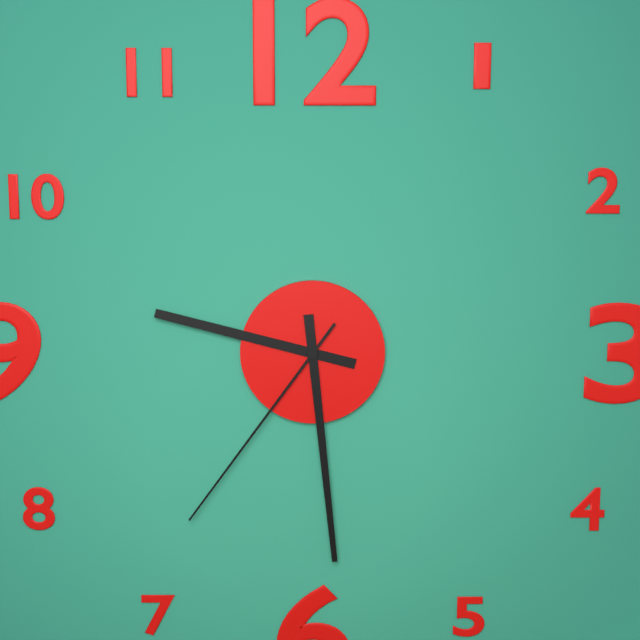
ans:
**9:29:36**
